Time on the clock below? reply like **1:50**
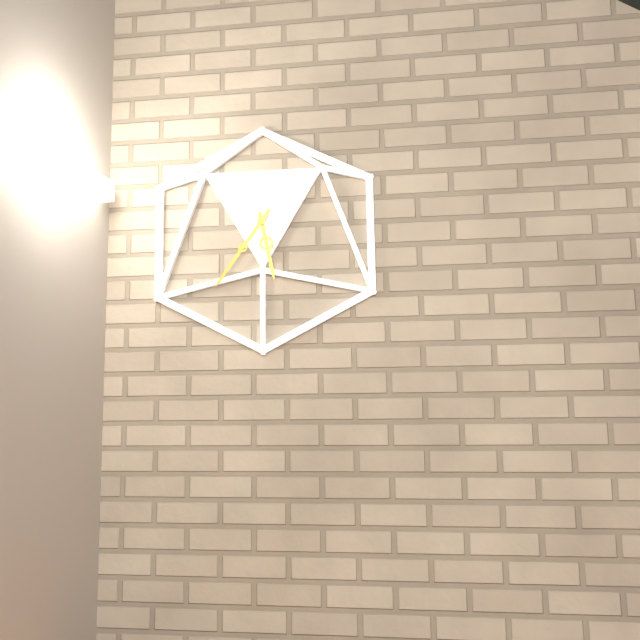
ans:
**5:36**
